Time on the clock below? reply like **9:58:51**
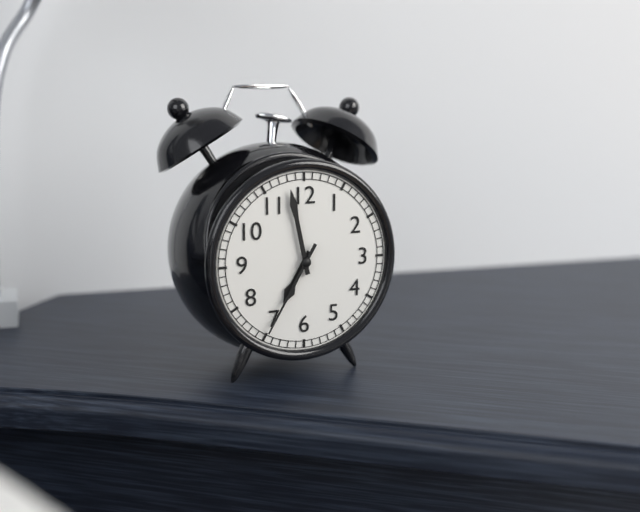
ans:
**6:58:35**
